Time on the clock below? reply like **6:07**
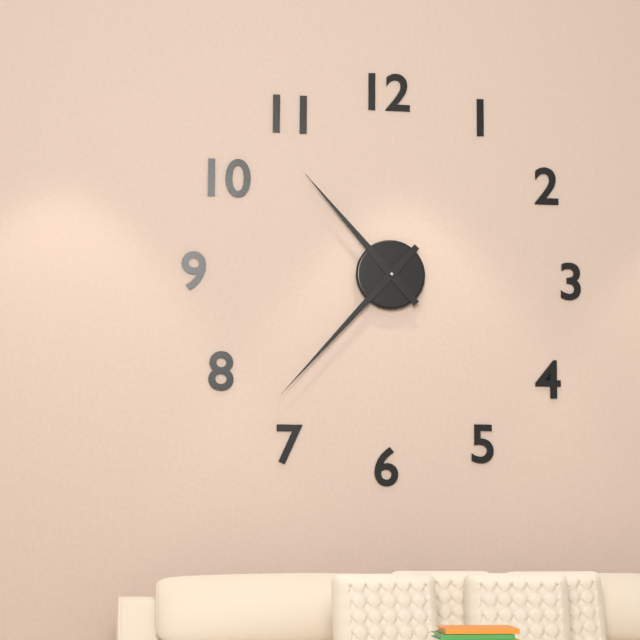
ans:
**10:37**
